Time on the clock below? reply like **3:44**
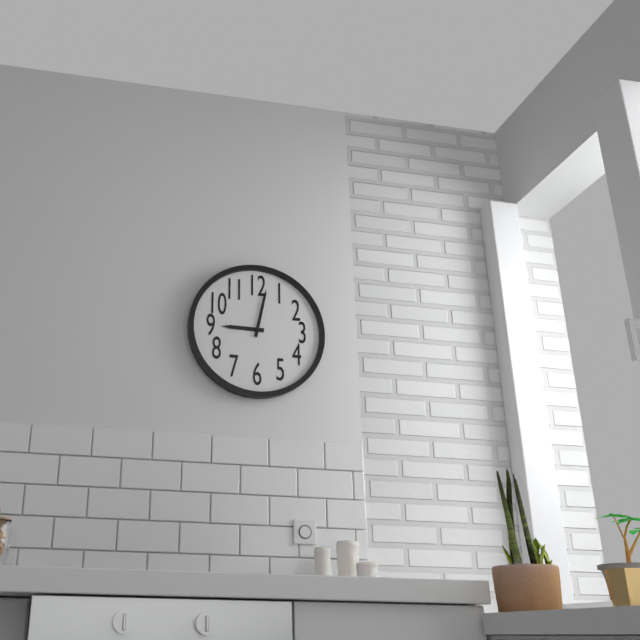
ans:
**9:02**
